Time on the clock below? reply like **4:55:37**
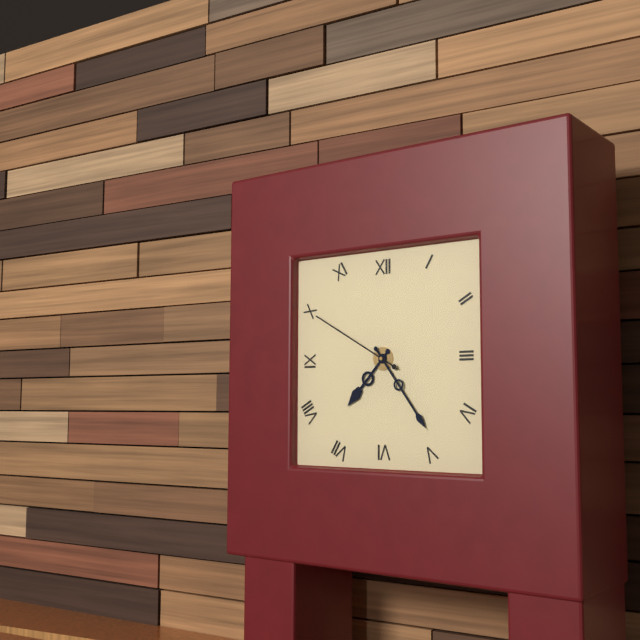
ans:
**7:24:50**
